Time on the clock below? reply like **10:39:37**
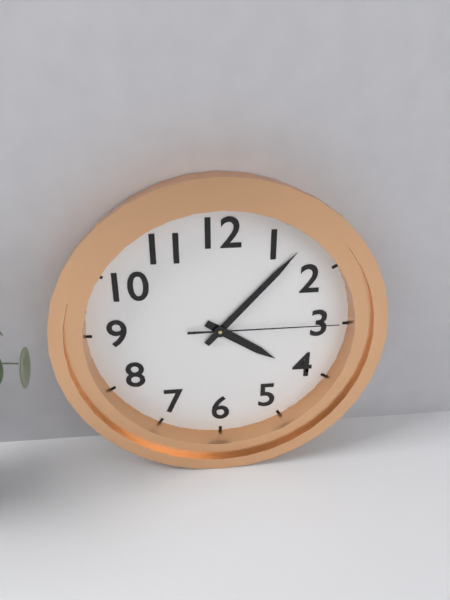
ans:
**4:07:15**
